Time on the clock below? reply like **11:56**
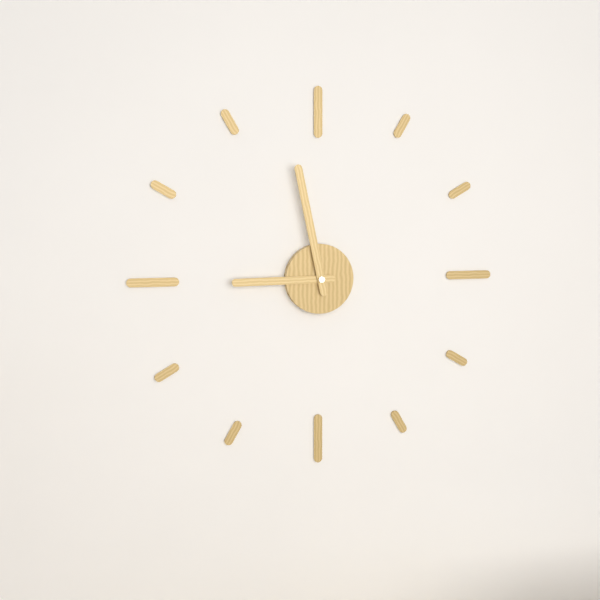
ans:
**8:58**
